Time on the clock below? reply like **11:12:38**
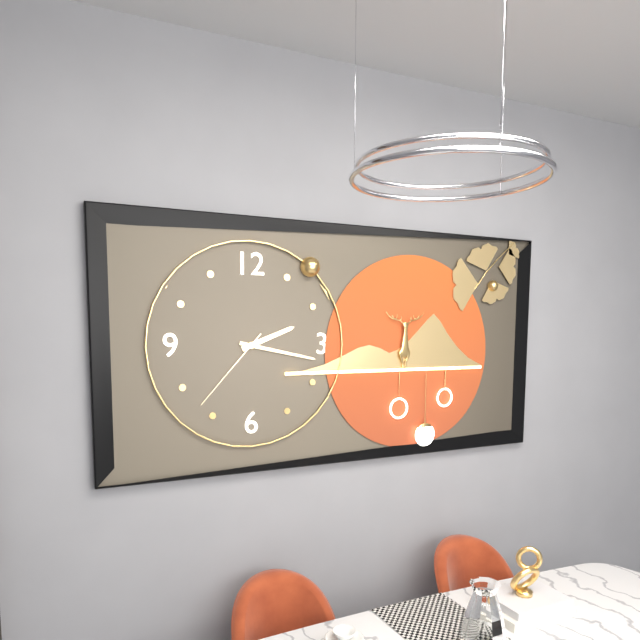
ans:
**2:17:37**
